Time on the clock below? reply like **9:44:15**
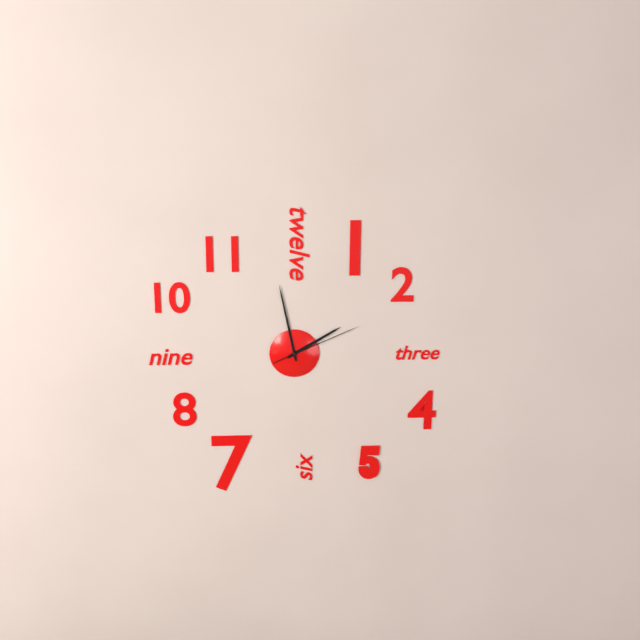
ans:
**1:58:11**
